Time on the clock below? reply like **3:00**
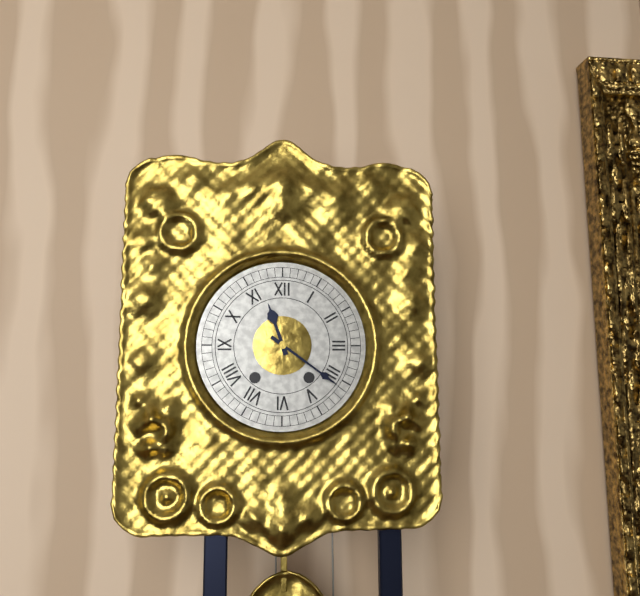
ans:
**11:21**
